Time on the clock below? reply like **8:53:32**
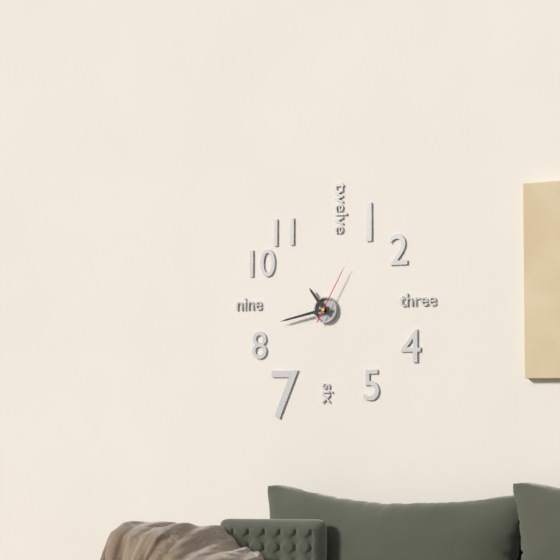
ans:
**10:43:05**
